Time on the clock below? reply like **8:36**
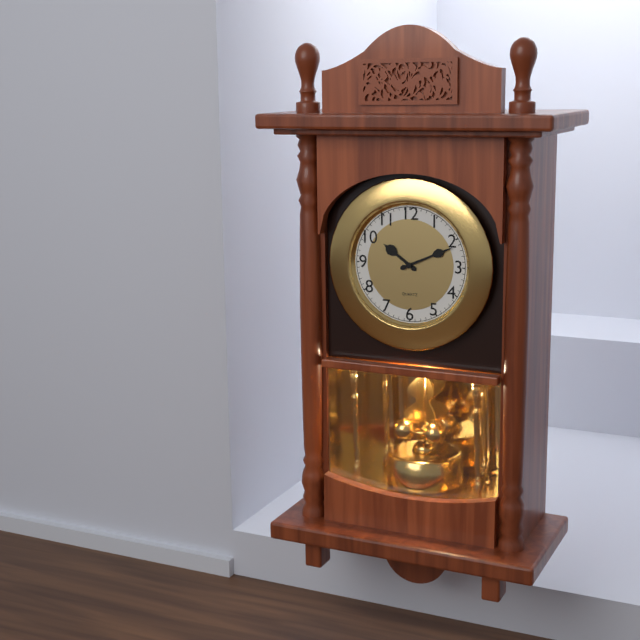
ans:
**10:11**
